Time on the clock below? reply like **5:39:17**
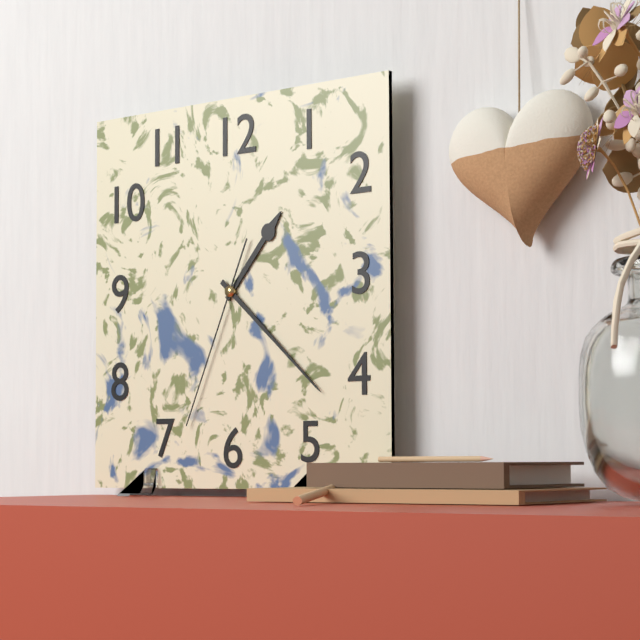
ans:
**1:22:34**
